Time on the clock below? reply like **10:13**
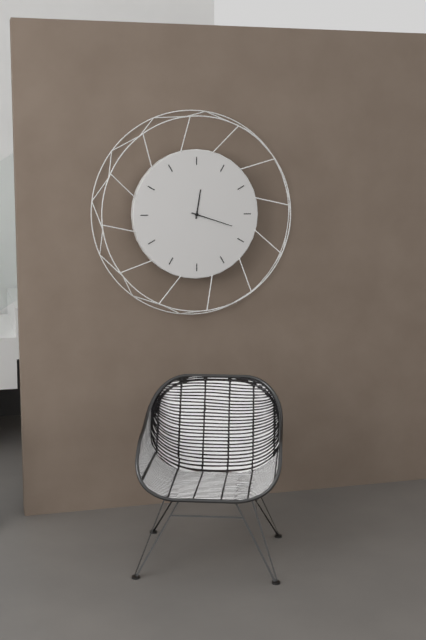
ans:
**12:18**
